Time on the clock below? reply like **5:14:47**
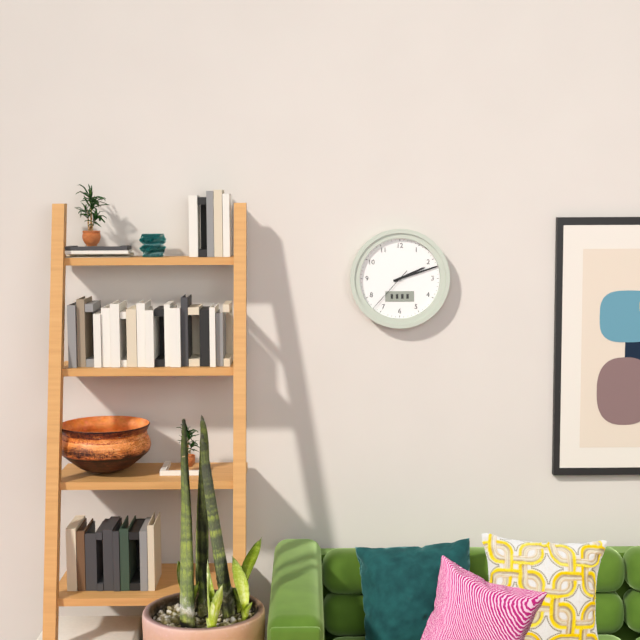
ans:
**2:12:37**
